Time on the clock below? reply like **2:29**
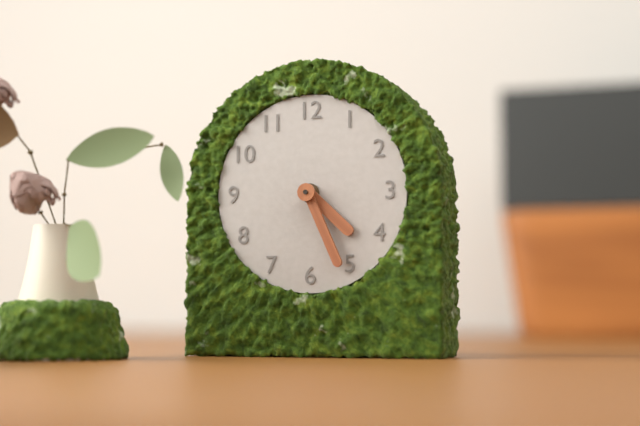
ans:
**4:26**
